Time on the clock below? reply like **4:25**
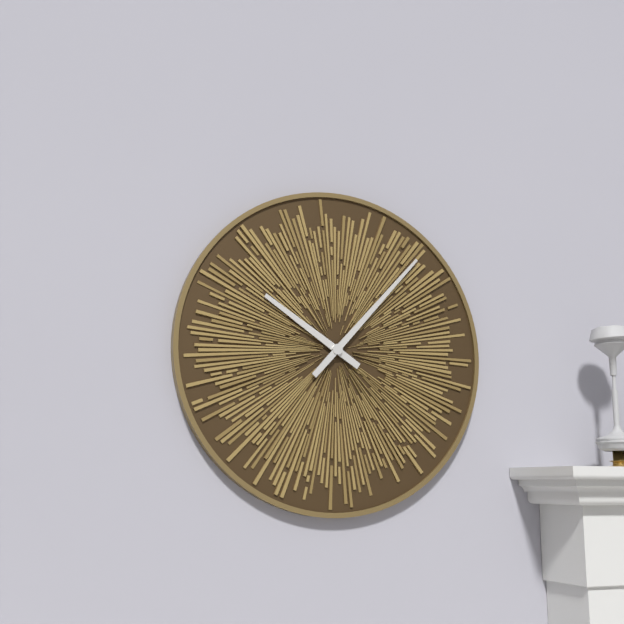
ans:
**10:07**
